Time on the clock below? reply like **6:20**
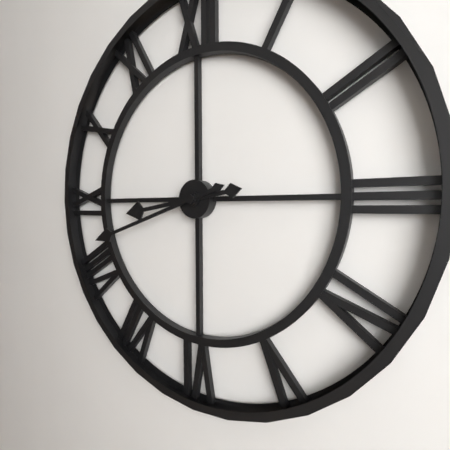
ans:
**8:42**
